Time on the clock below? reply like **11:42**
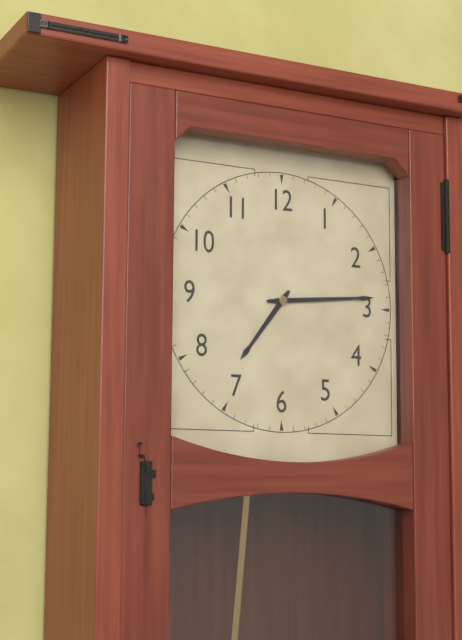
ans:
**7:14**
